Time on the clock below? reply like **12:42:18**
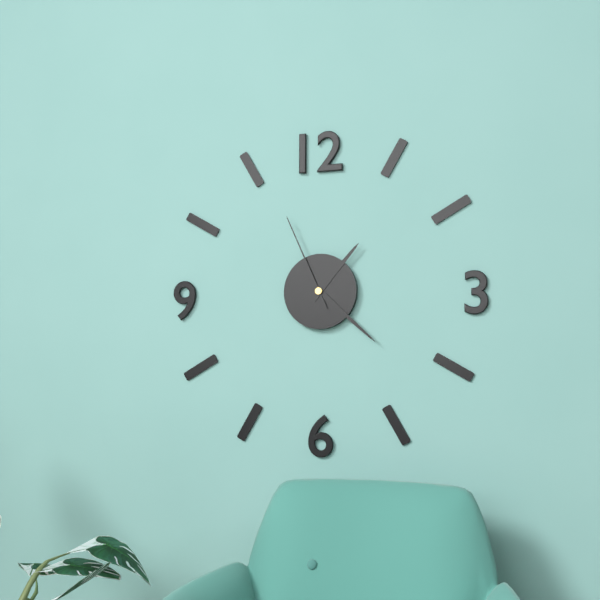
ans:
**1:22:56**
